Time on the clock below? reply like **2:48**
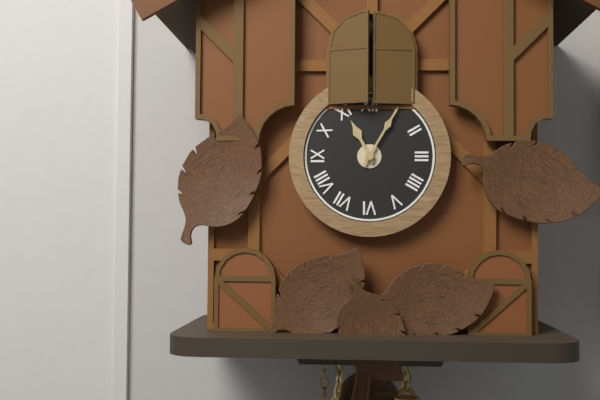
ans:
**11:05**
